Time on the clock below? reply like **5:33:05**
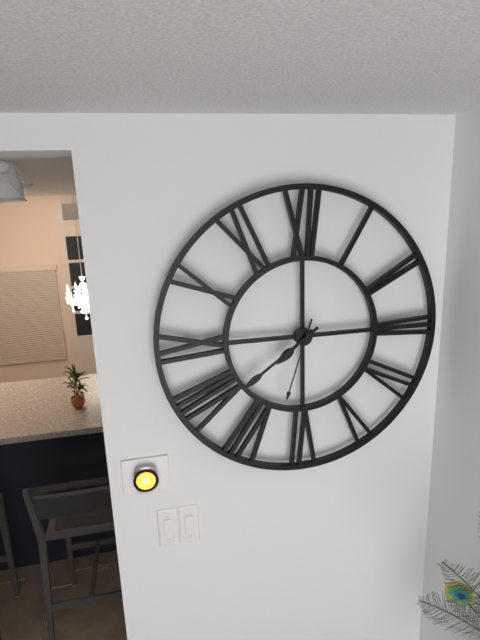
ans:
**7:39:33**
